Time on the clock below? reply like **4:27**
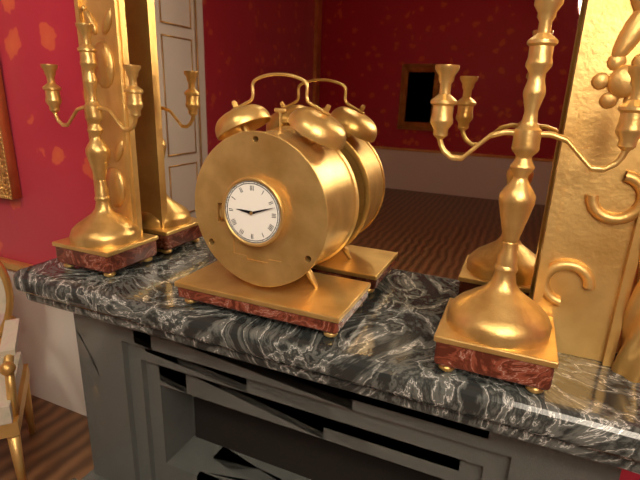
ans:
**9:12**
